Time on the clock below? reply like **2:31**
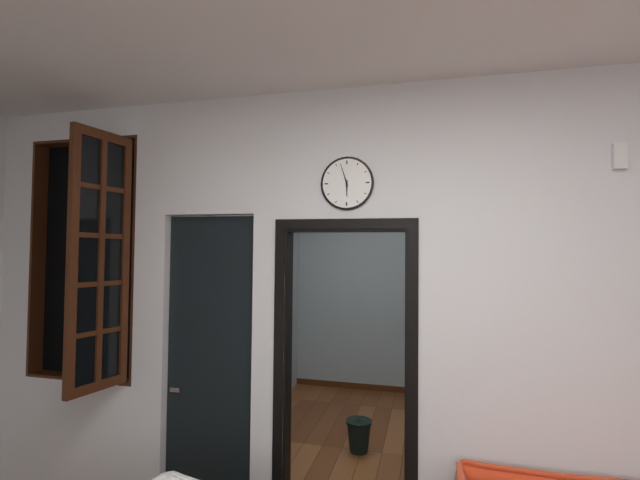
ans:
**5:57**
